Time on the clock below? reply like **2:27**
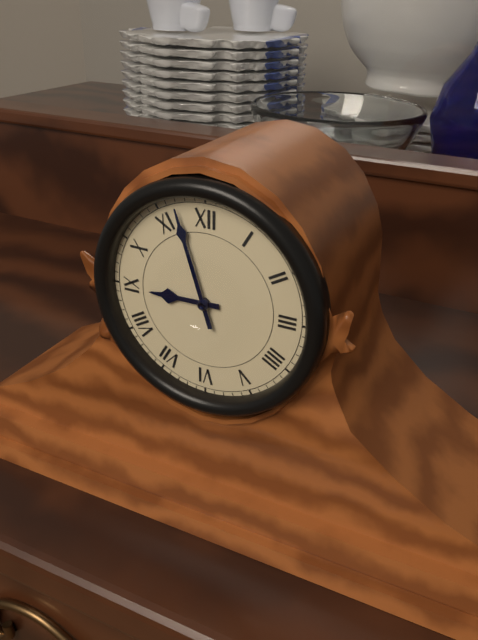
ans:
**8:57**
